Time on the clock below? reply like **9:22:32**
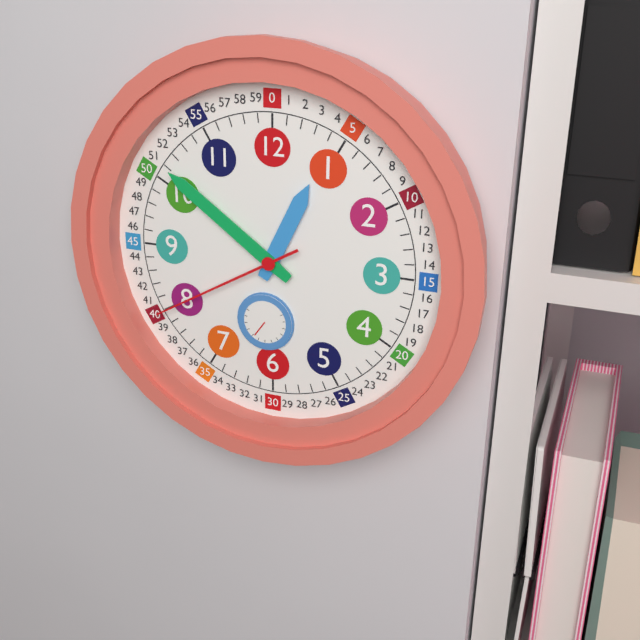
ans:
**12:51:40**
